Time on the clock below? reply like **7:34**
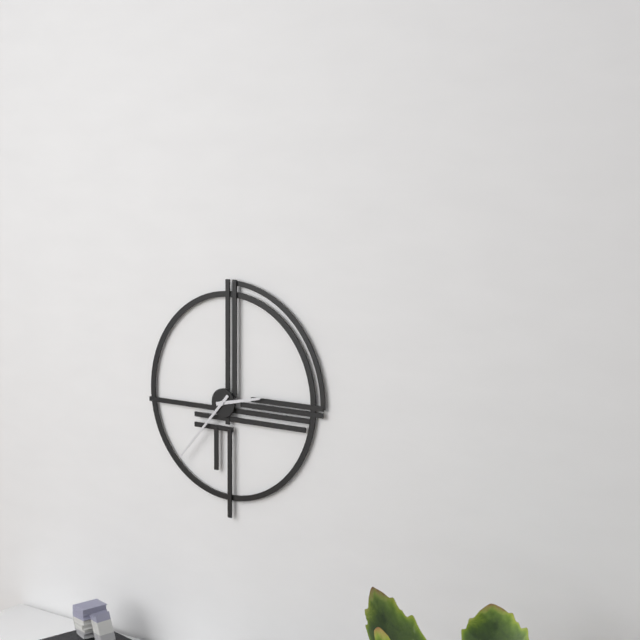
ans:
**2:37**
